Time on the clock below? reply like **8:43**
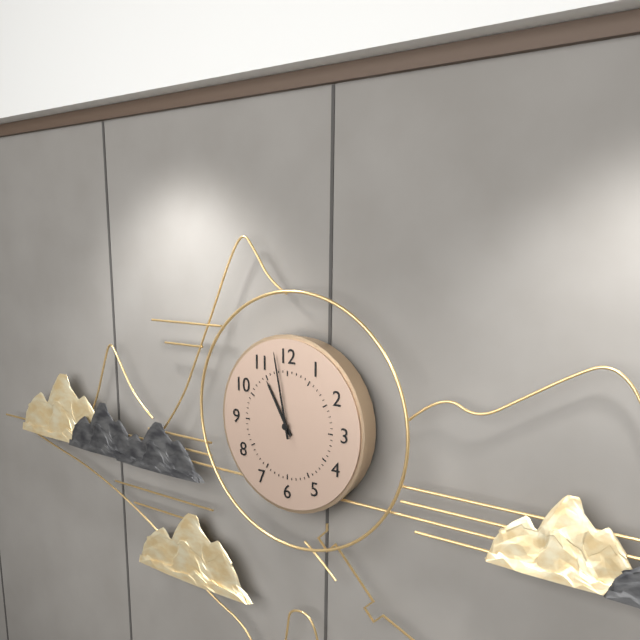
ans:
**10:58**
